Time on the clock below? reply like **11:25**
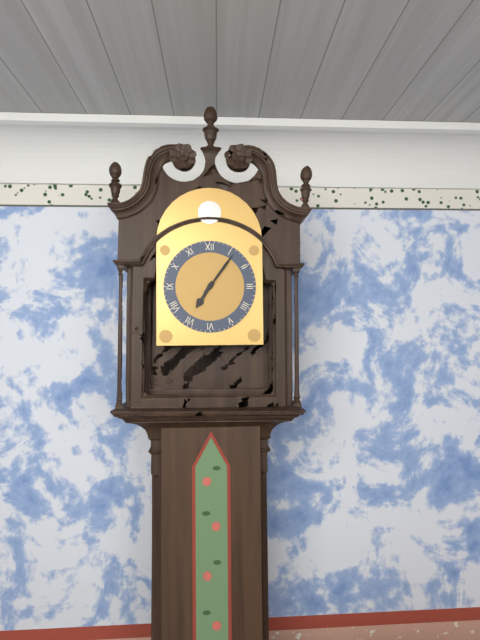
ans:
**7:06**
